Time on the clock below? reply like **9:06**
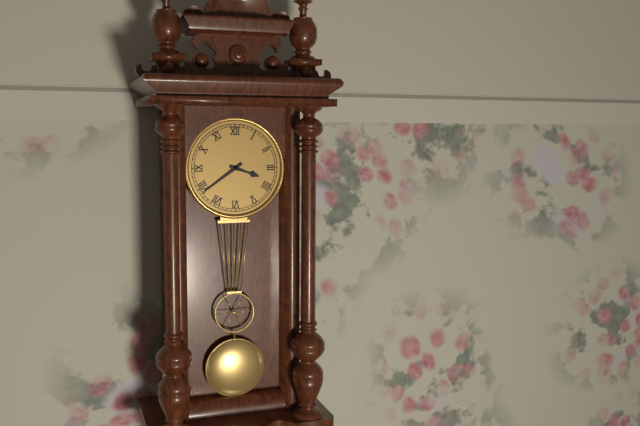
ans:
**3:39**
